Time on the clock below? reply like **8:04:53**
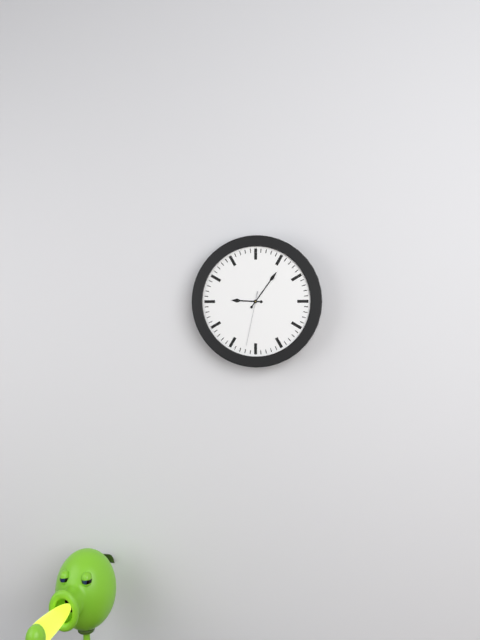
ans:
**9:06:32**
